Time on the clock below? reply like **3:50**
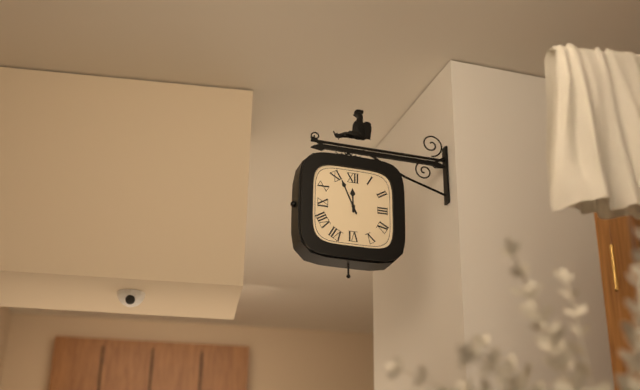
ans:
**11:56**
